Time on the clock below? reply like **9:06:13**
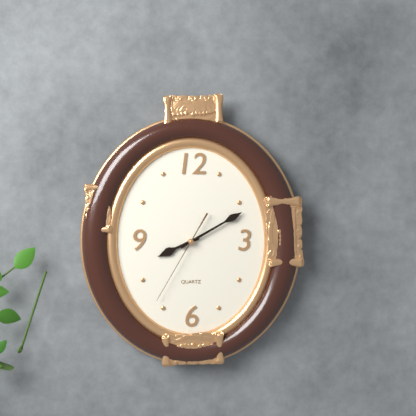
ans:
**8:10:35**
